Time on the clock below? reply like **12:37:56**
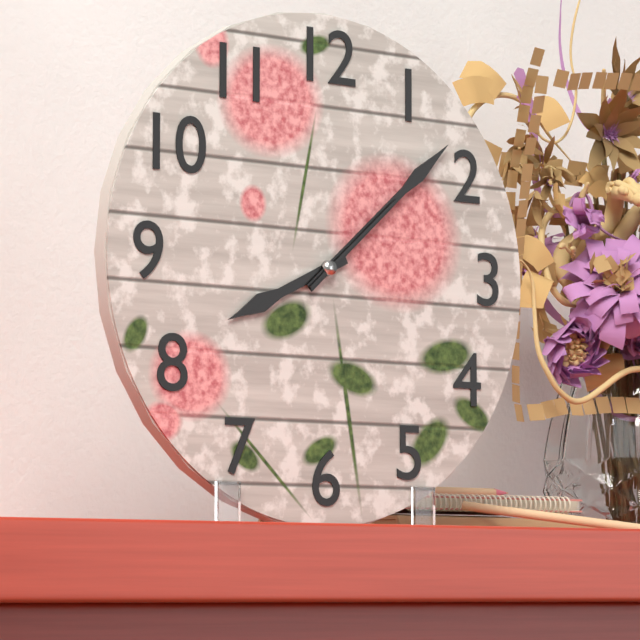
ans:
**8:08:08**
